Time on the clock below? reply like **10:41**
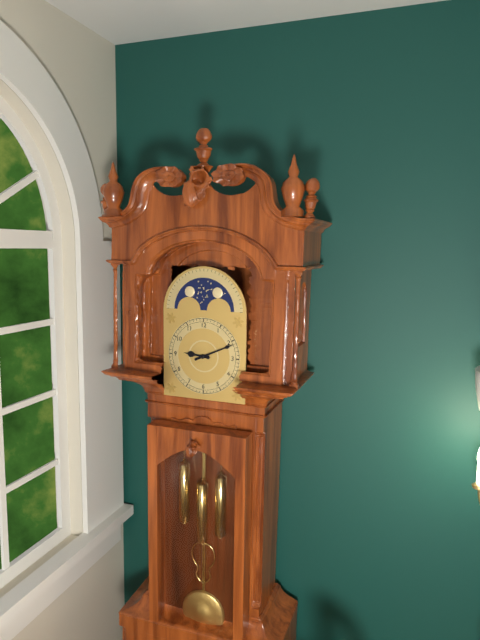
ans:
**9:11**
